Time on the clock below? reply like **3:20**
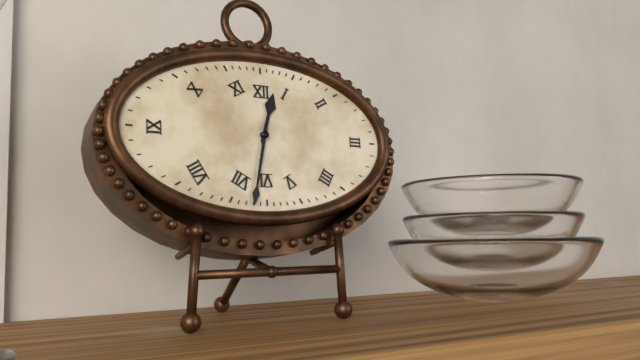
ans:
**12:32**
